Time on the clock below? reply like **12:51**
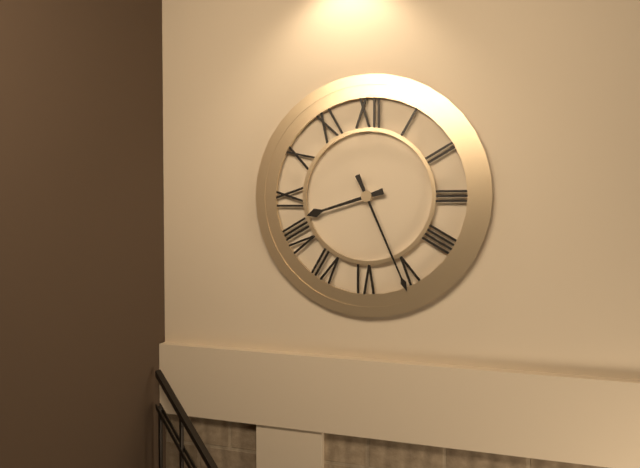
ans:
**8:26**
